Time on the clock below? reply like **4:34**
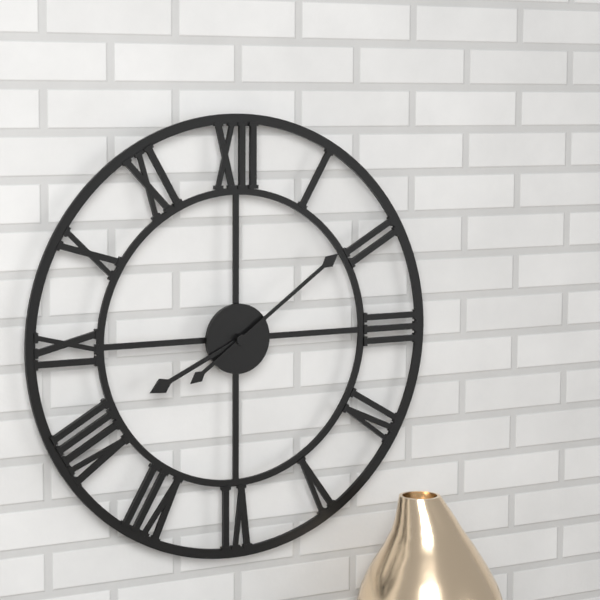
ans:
**8:09**
